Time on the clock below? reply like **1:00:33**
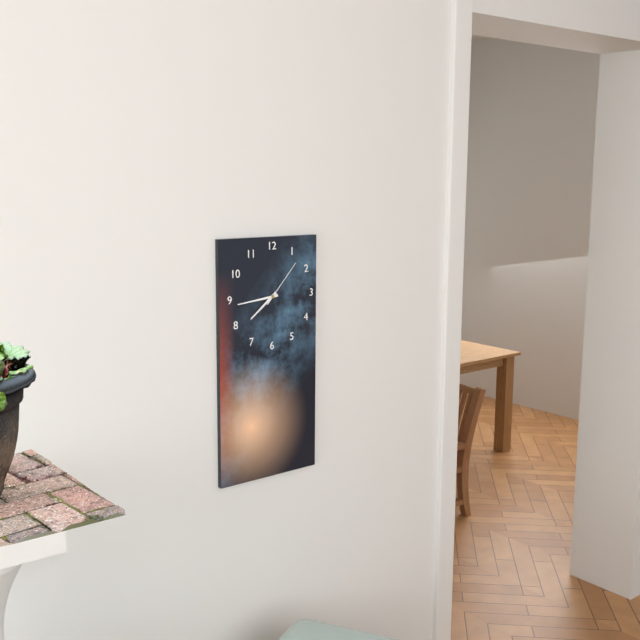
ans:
**7:44:07**
